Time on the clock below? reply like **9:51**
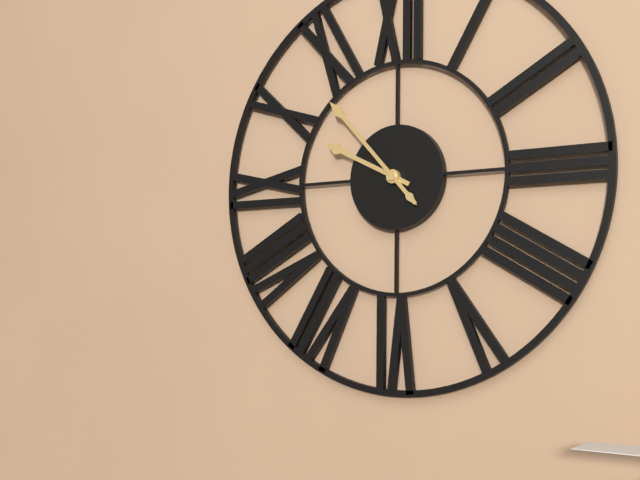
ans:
**9:53**
